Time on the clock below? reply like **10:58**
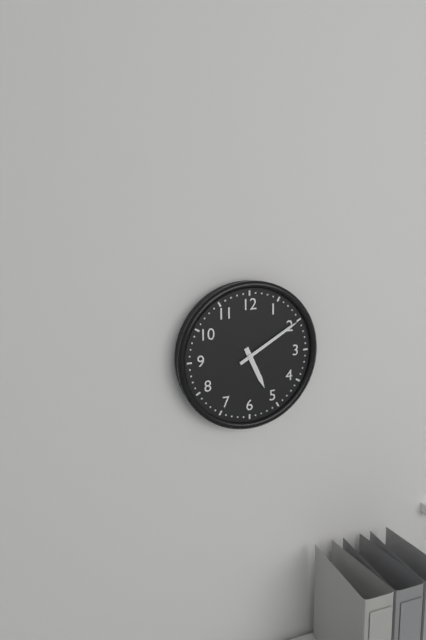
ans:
**5:10**
